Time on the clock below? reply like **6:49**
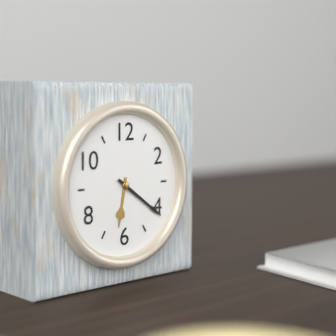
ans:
**6:21**
